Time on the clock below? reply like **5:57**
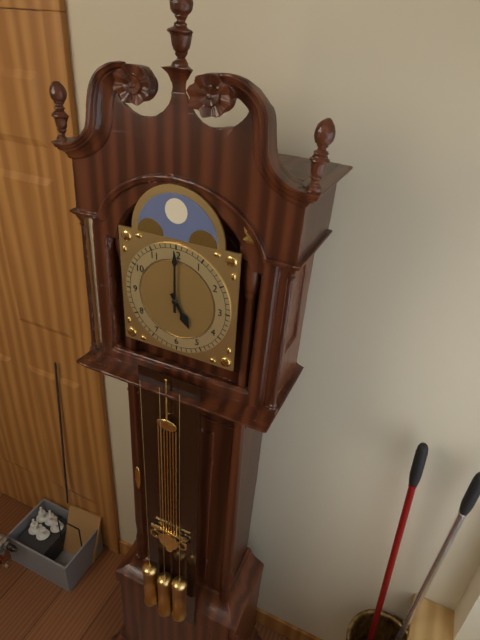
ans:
**5:00**
